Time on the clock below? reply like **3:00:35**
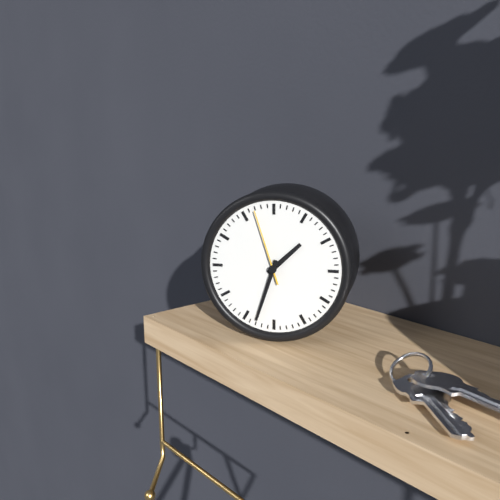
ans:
**1:33:57**
